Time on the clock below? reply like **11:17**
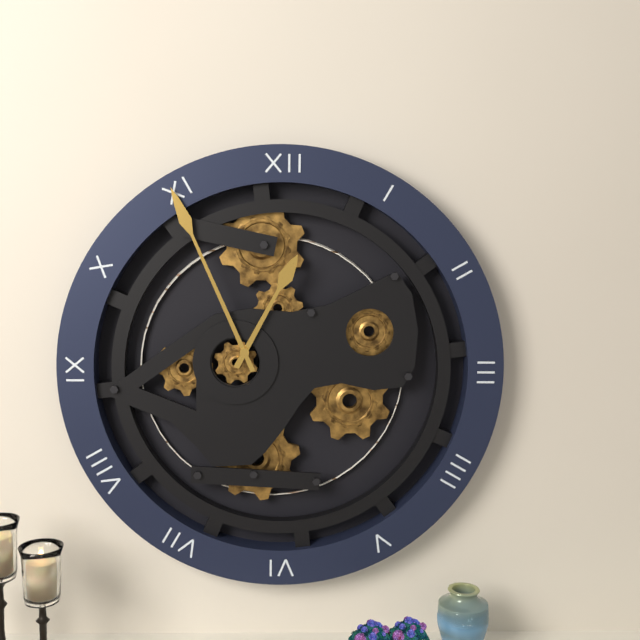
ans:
**12:56**
